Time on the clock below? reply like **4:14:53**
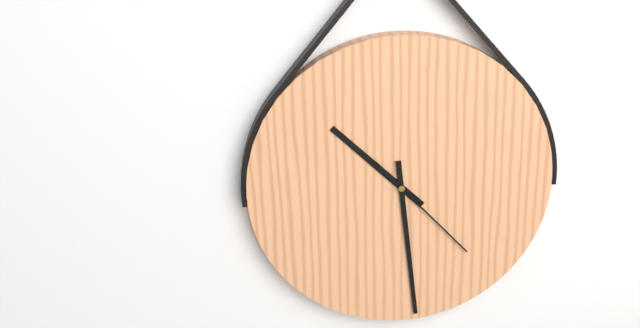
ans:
**10:29:23**
